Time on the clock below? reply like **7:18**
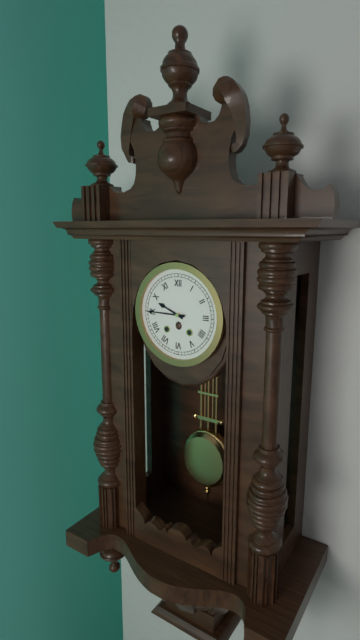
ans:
**9:45**
